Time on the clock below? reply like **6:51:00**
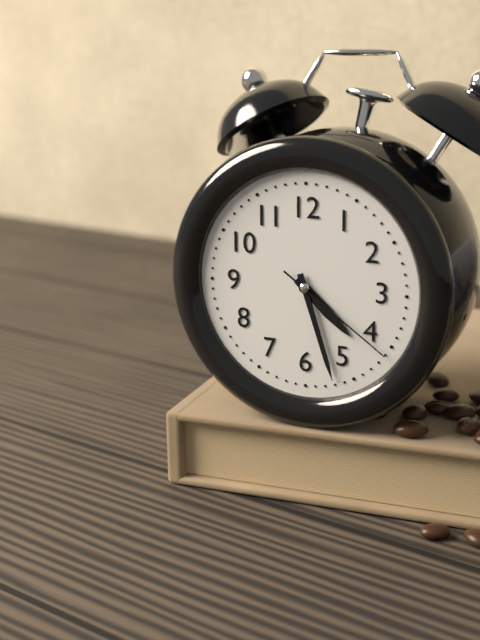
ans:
**4:27:21**
